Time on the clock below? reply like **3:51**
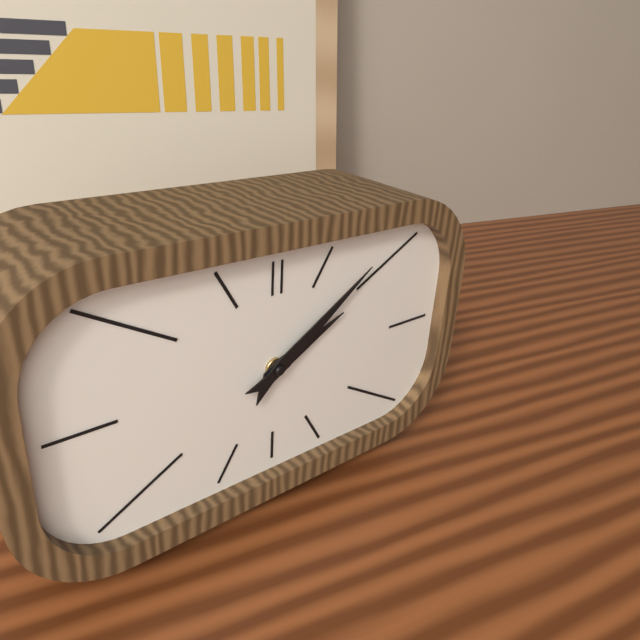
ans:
**2:09**
